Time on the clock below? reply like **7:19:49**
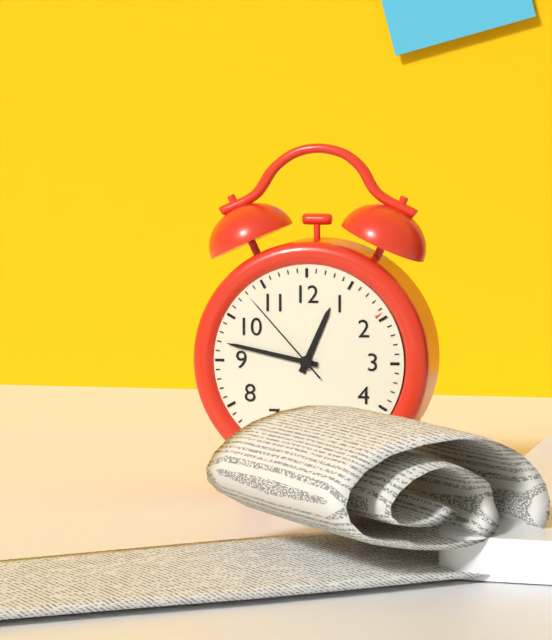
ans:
**12:47:53**
